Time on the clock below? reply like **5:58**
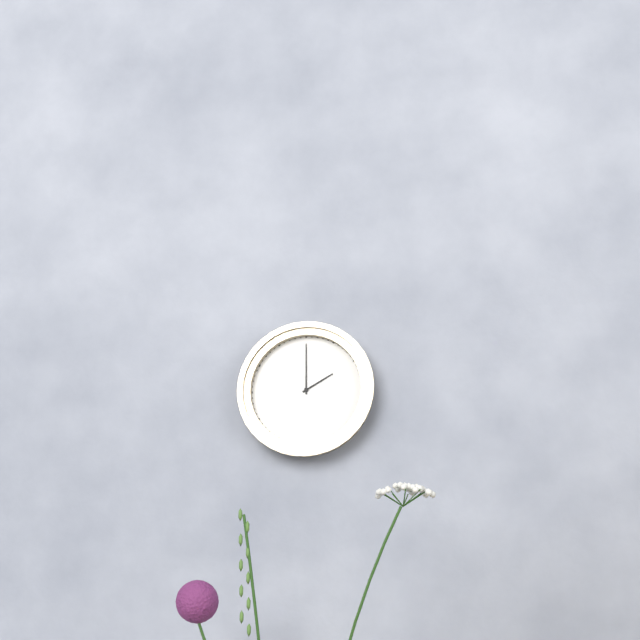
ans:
**2:00**
